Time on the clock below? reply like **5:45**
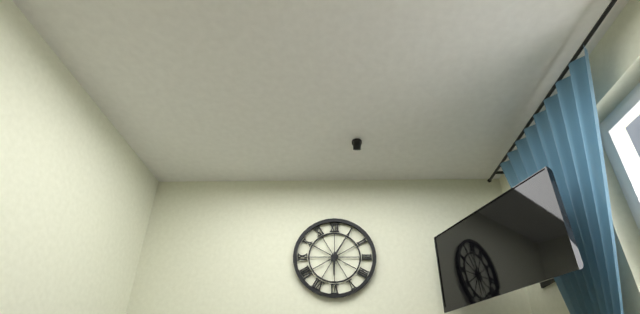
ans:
**6:05**
